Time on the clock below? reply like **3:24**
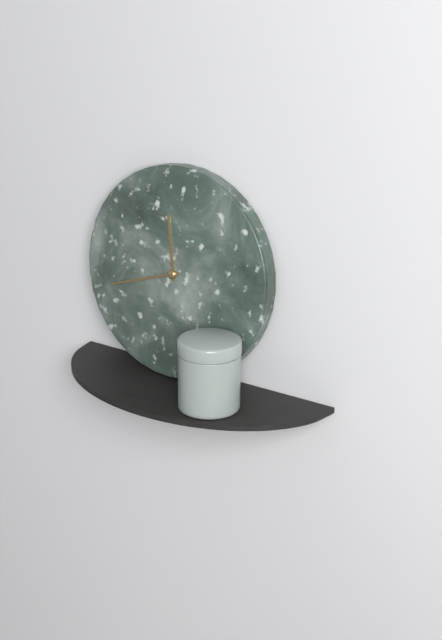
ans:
**11:42**
